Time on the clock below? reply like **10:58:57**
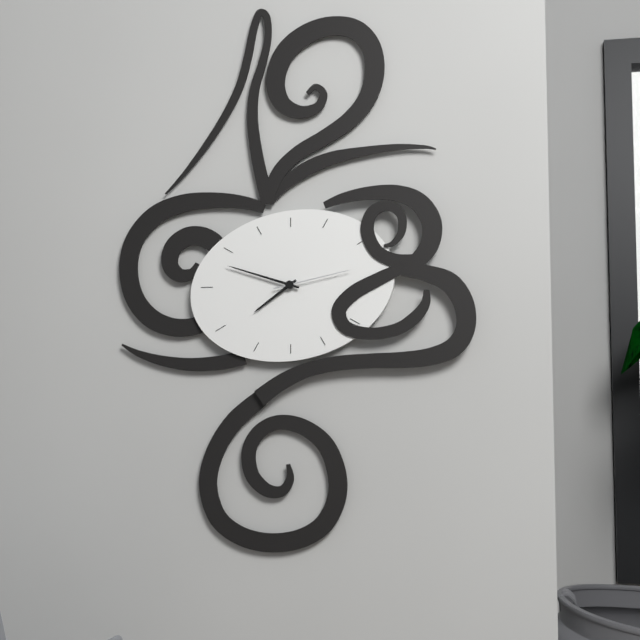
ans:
**7:48:13**
